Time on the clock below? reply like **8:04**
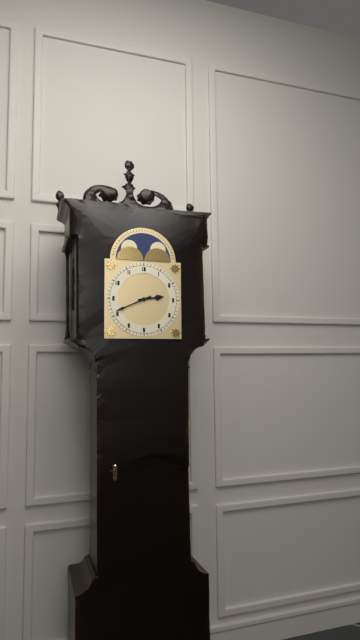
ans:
**2:41**
